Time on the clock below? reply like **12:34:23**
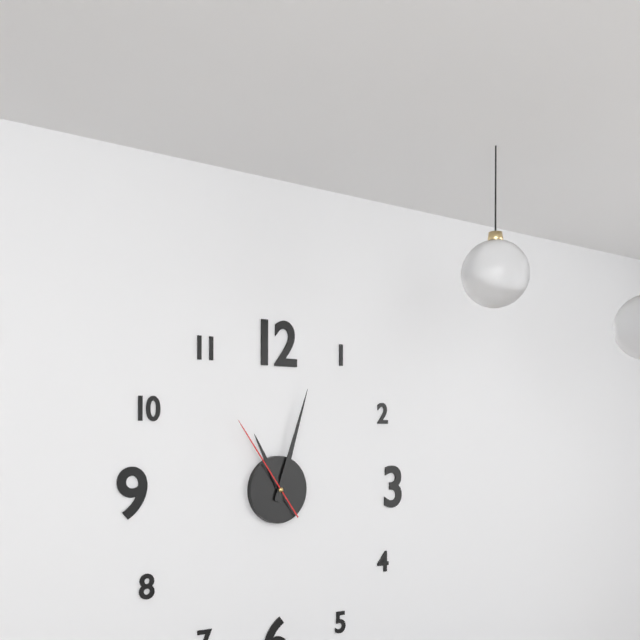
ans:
**11:03:54**
